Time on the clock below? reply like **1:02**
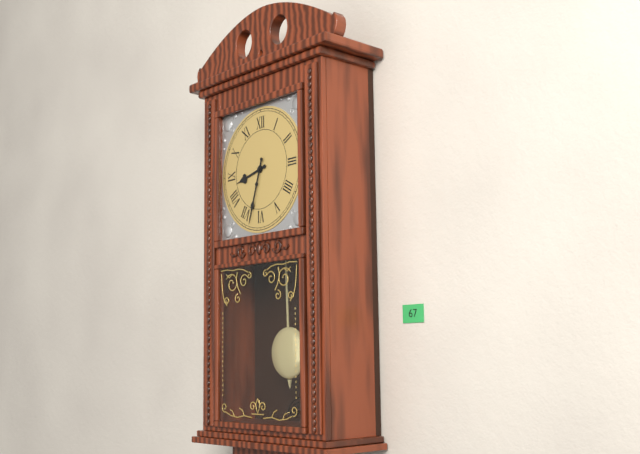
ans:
**8:33**
